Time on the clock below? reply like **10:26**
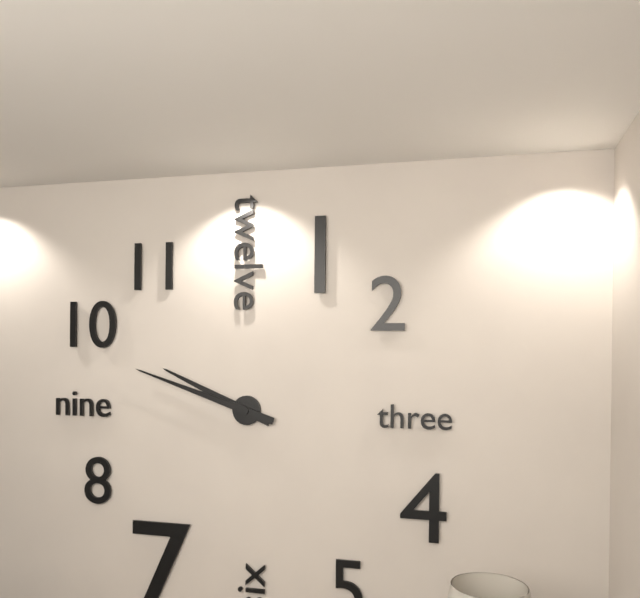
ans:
**9:48**
